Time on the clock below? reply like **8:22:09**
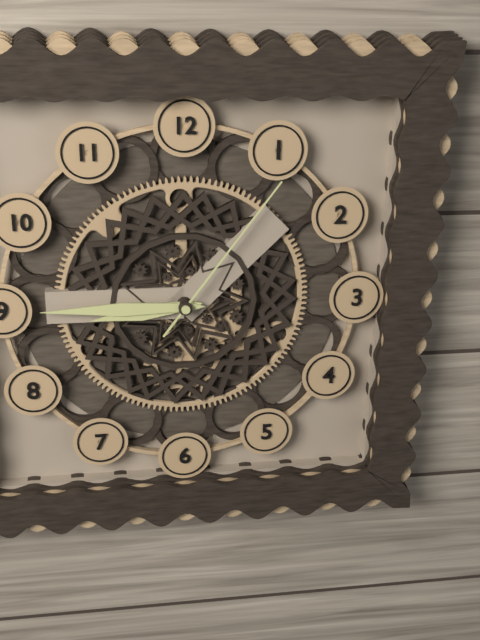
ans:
**8:45:06**
